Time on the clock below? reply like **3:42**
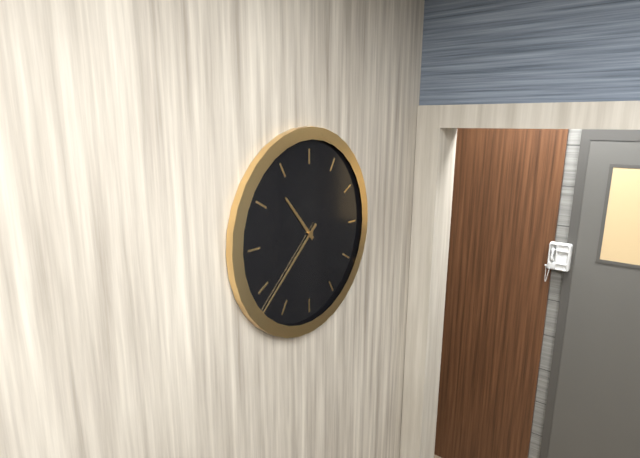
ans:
**10:38**
